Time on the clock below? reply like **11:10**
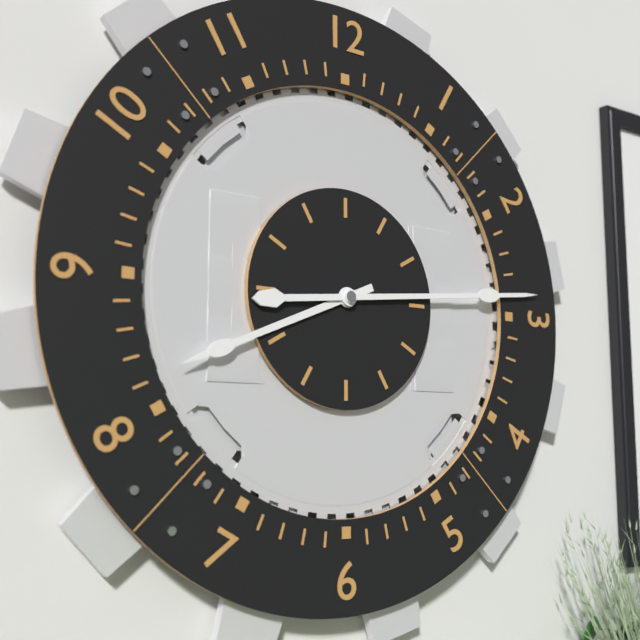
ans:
**8:14**
